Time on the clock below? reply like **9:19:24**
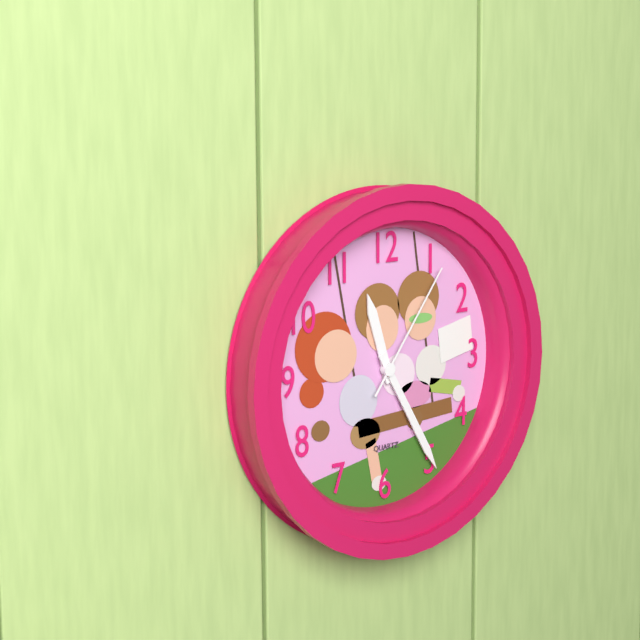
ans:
**11:25:06**
